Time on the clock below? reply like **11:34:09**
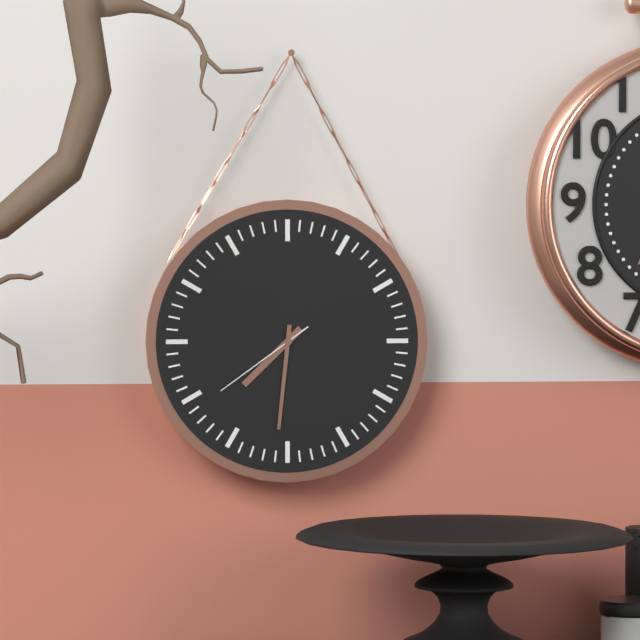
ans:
**7:31:39**
